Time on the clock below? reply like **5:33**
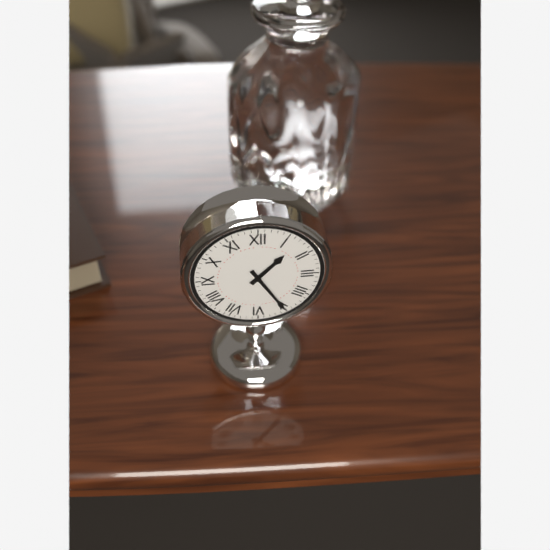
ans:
**1:25**
